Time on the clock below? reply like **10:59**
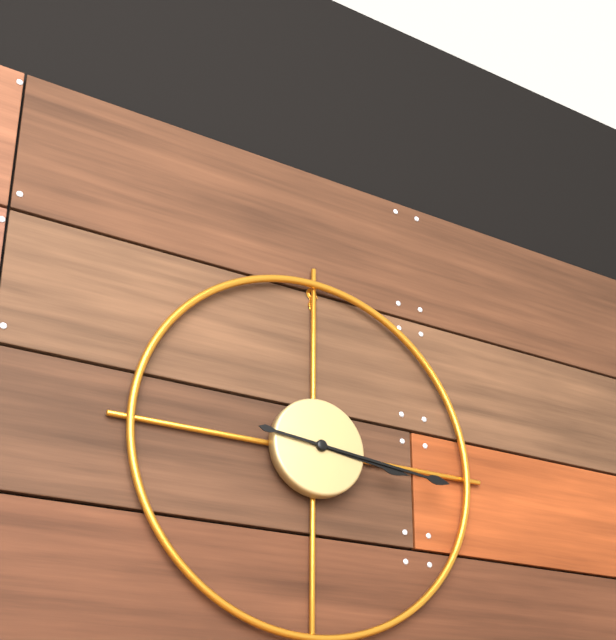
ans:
**3:16**
